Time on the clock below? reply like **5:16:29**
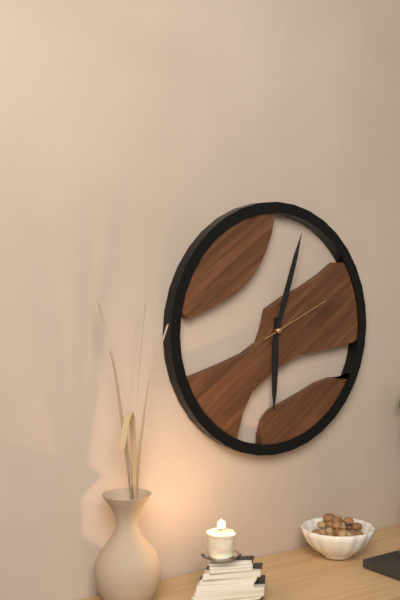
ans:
**6:03:11**
